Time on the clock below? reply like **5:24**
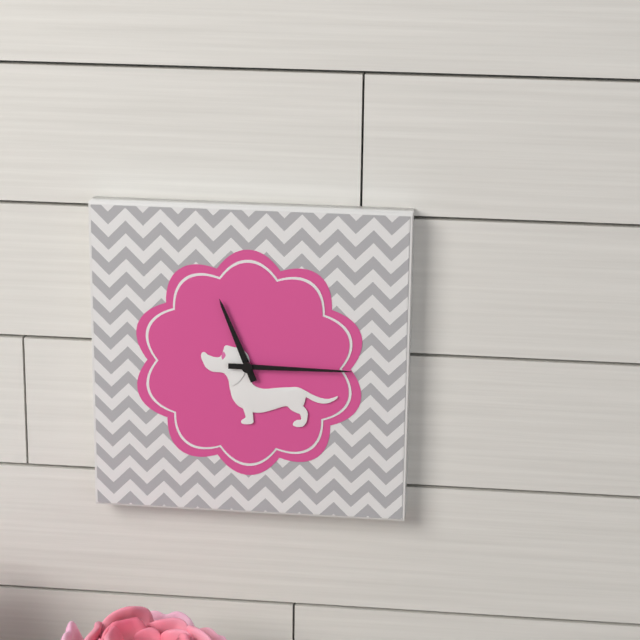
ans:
**11:15**
